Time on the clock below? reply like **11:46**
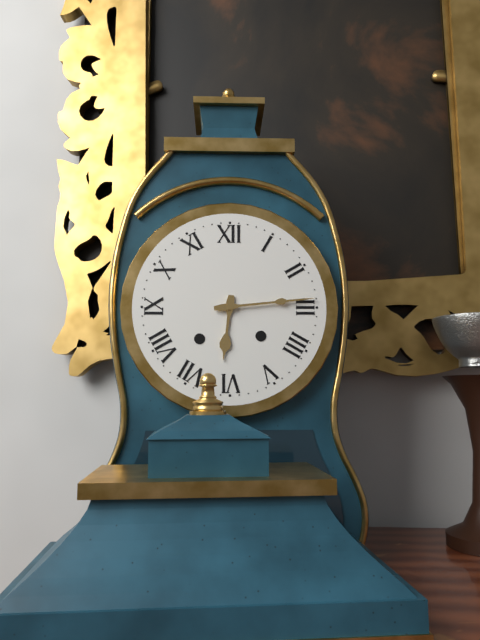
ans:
**6:14**
